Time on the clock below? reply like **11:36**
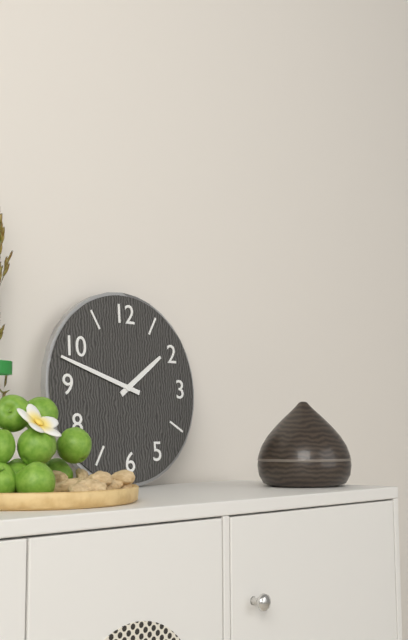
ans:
**1:48**
